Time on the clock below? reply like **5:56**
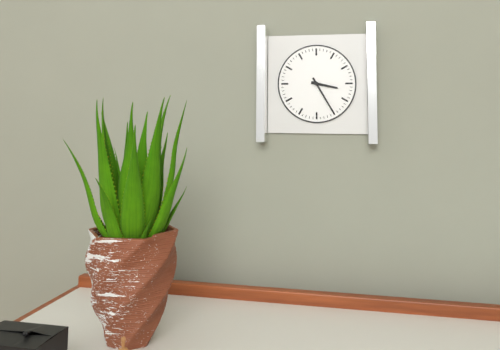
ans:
**3:25**
